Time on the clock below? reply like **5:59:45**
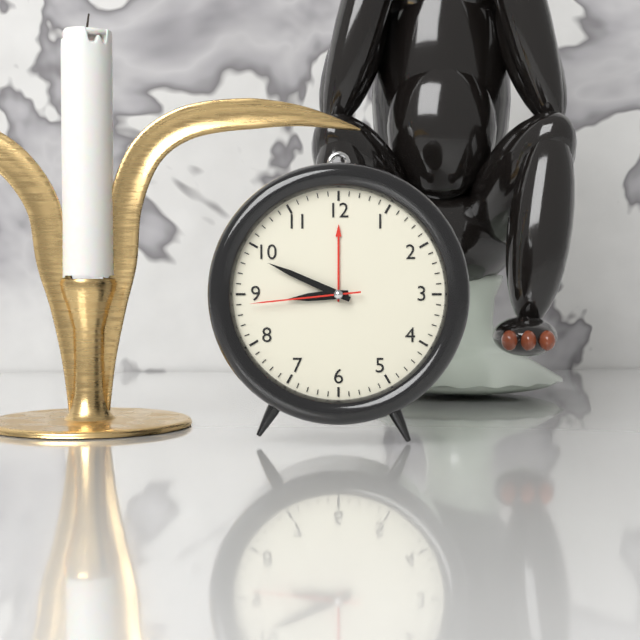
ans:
**8:49:44**
